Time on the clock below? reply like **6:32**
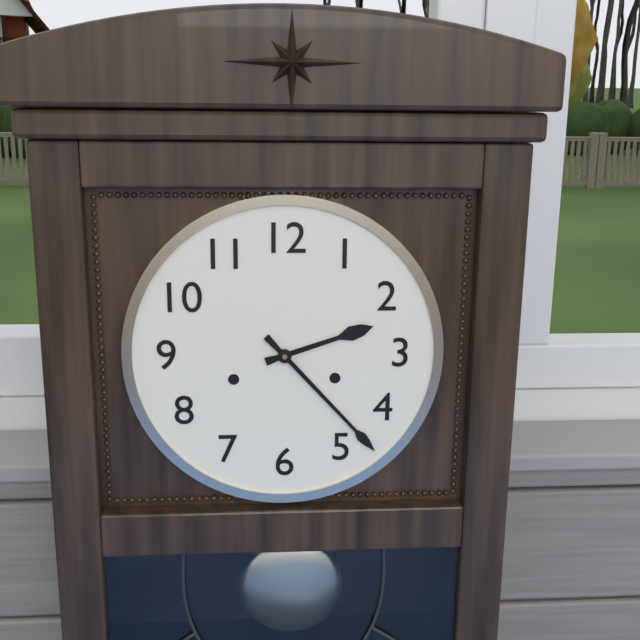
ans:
**2:23**
